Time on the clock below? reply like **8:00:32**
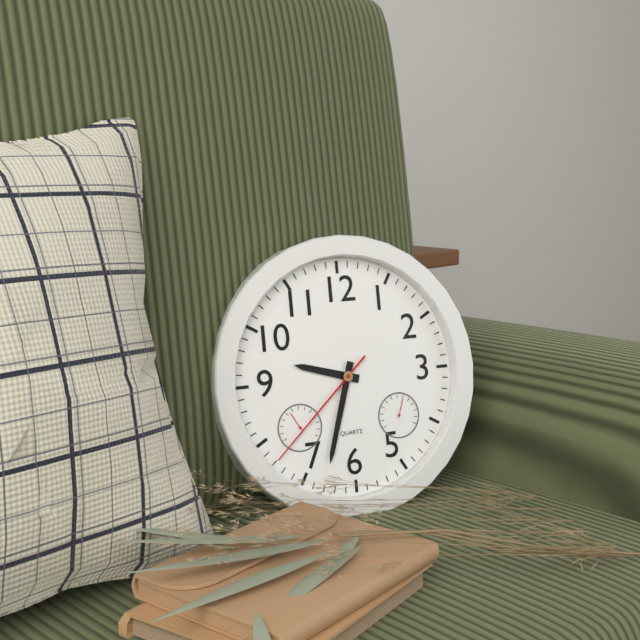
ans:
**9:33:38**
